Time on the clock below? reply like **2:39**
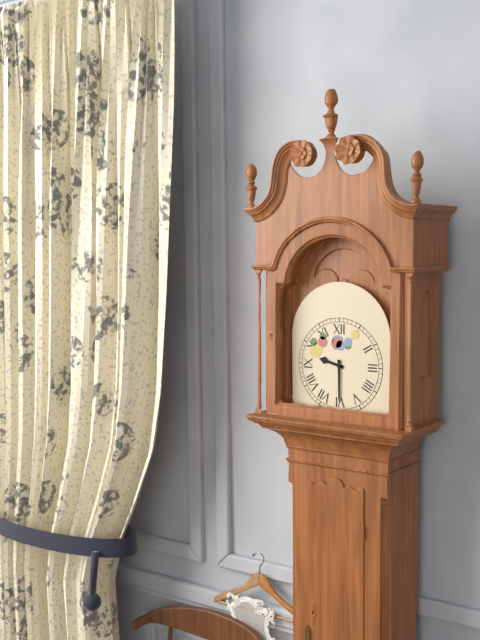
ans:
**9:30**
